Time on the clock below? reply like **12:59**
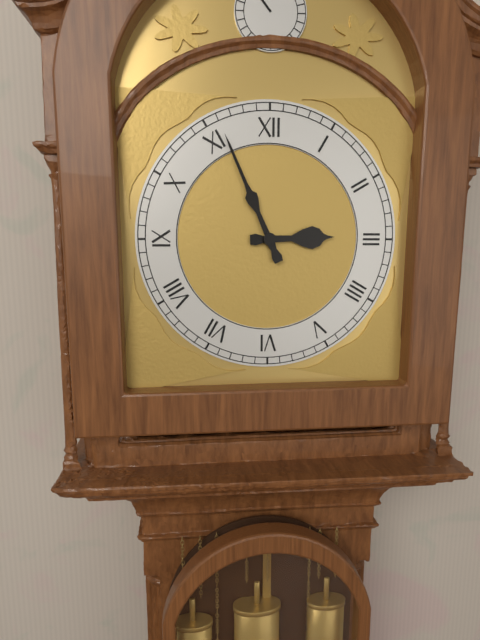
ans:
**2:56**
